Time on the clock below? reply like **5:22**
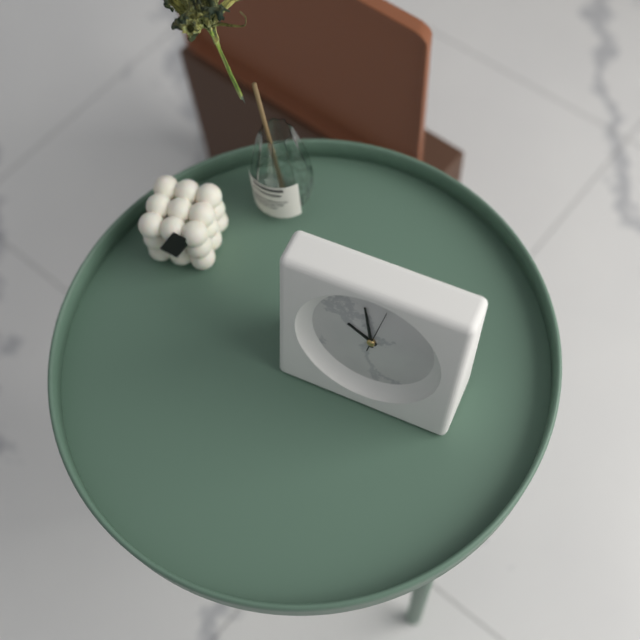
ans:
**9:58**
